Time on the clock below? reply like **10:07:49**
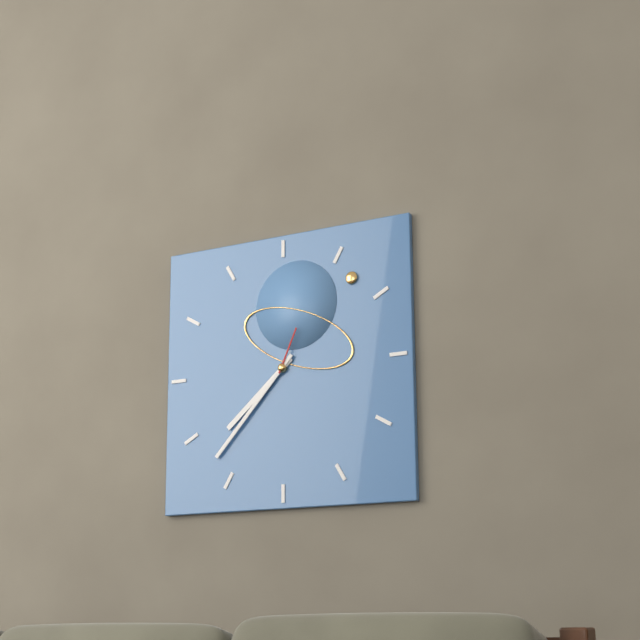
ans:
**7:37:04**
